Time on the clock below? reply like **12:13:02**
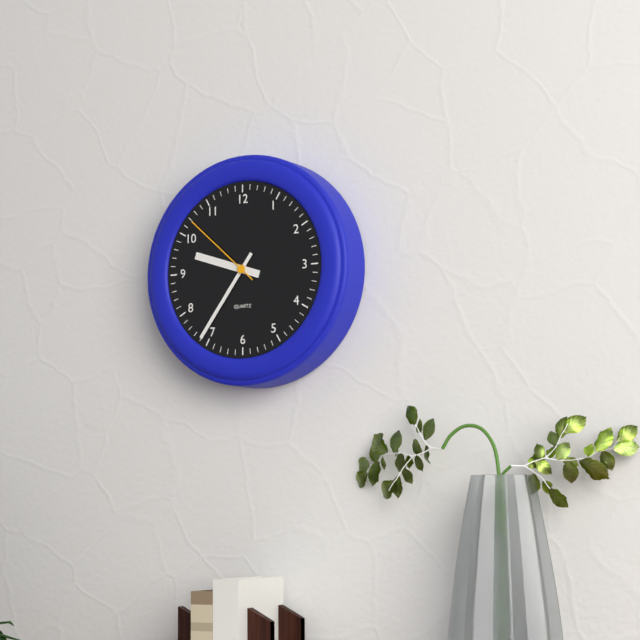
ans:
**9:36:52**
